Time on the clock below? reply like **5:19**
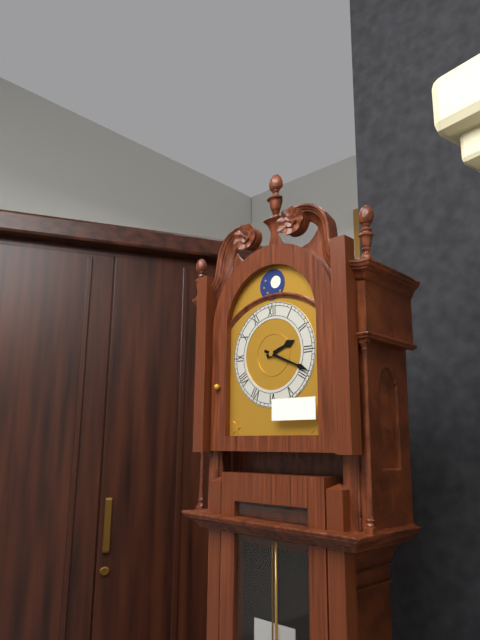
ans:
**2:19**
